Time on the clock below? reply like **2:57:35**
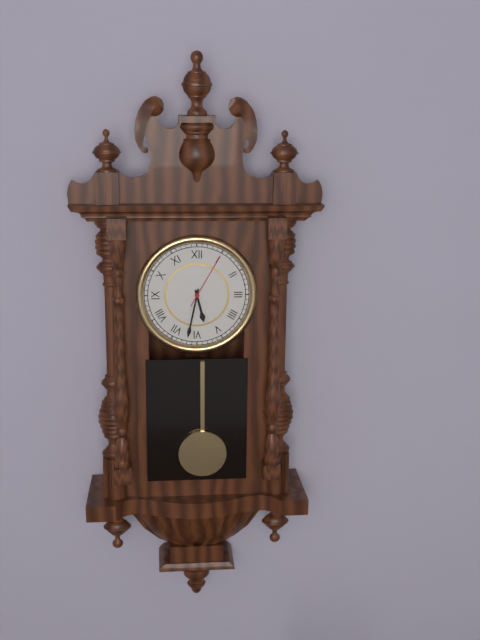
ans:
**5:32:05**
